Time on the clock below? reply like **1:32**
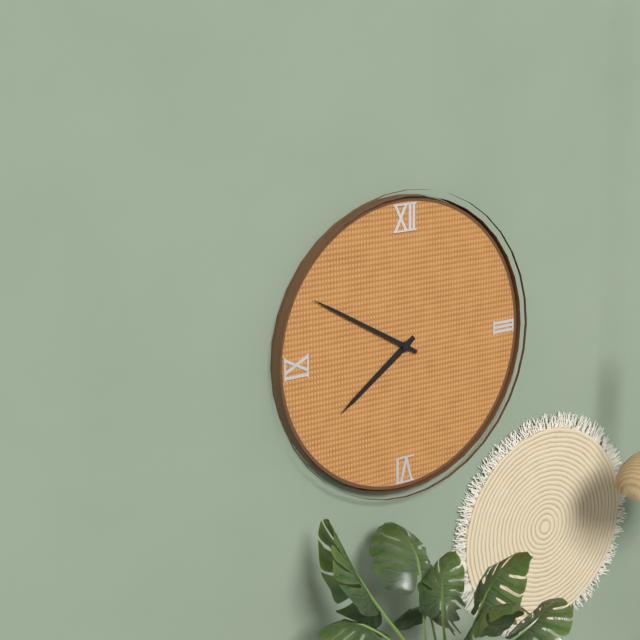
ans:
**7:50**
